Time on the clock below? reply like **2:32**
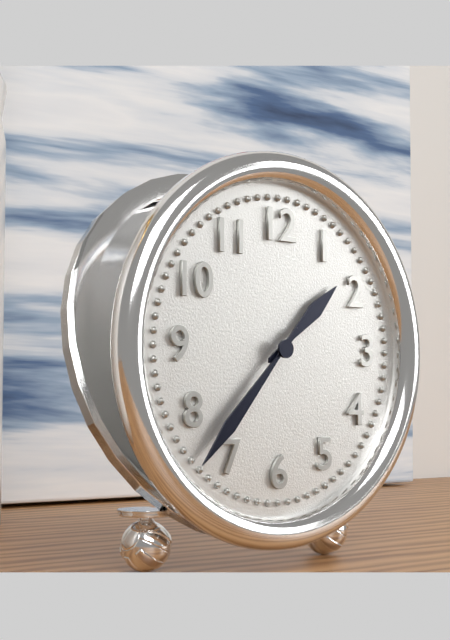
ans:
**1:37**
